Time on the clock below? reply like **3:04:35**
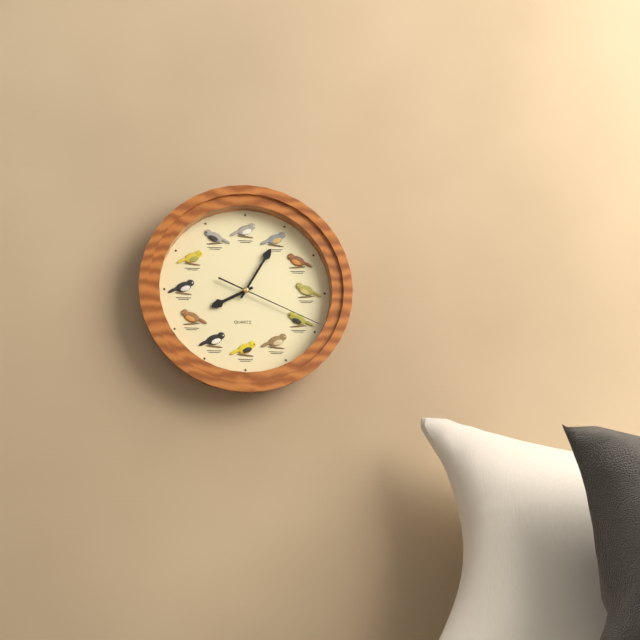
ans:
**8:05:19**
